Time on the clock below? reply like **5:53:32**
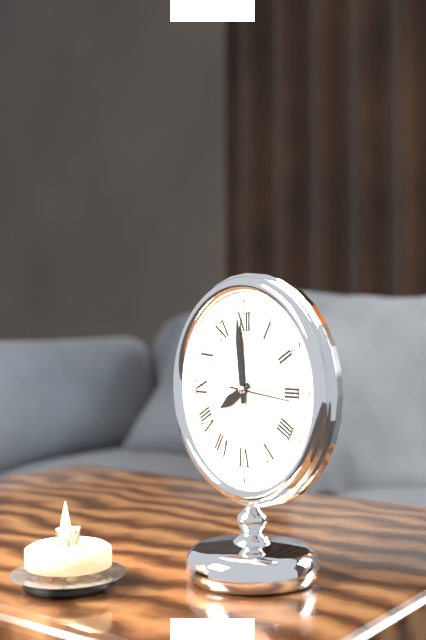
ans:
**7:59:16**
